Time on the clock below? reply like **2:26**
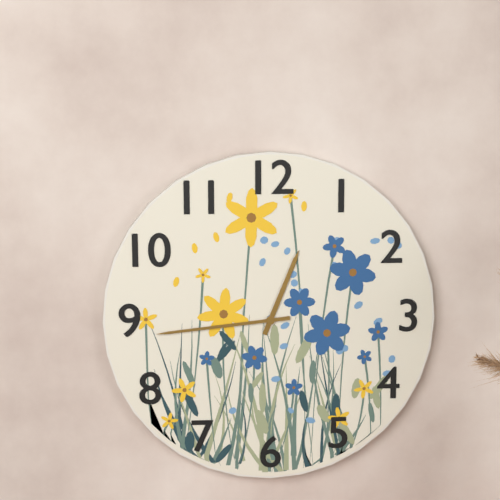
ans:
**12:44**
